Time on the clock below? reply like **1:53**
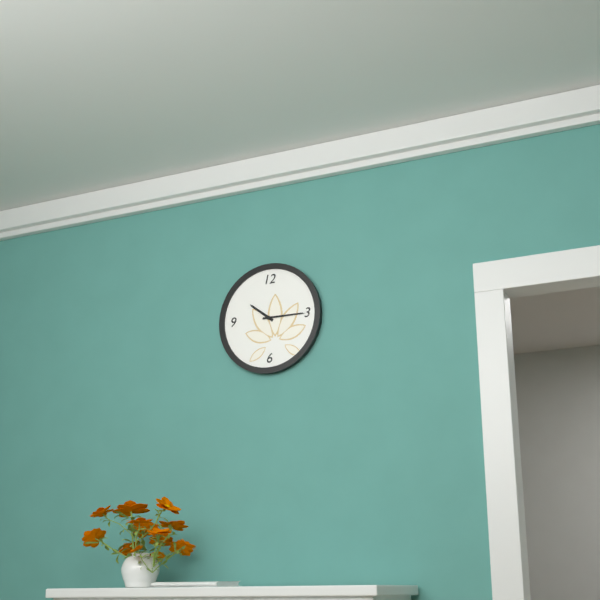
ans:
**10:15**
